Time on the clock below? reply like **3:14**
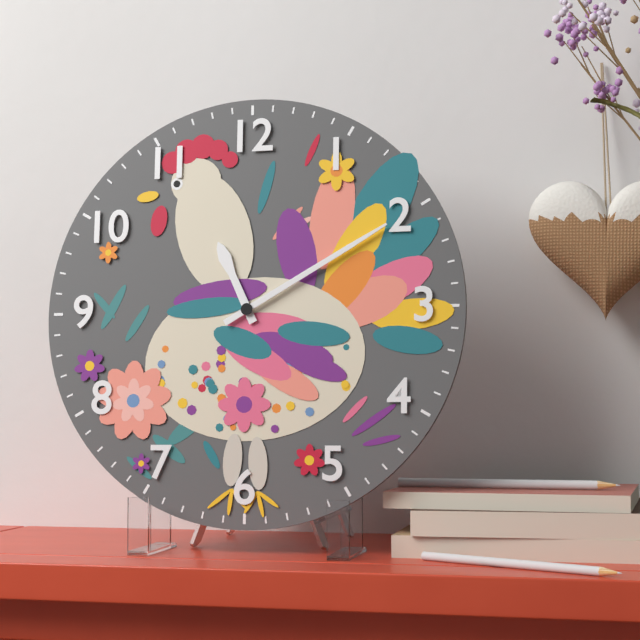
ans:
**11:10**
